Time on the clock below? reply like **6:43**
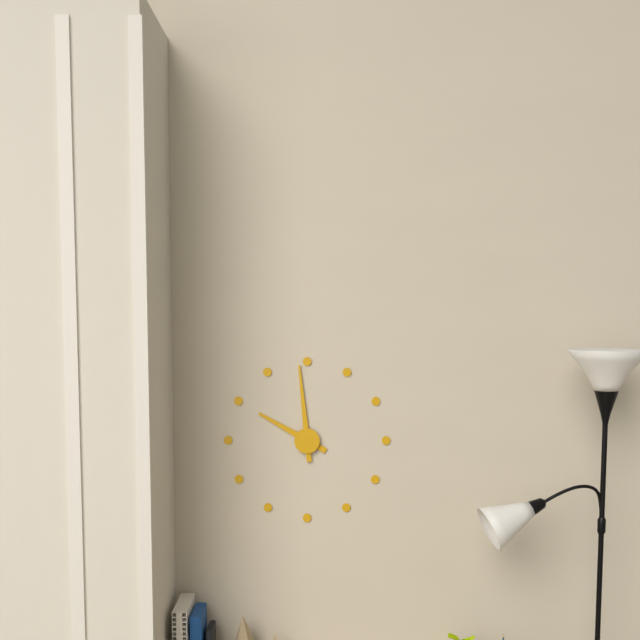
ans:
**9:59**
